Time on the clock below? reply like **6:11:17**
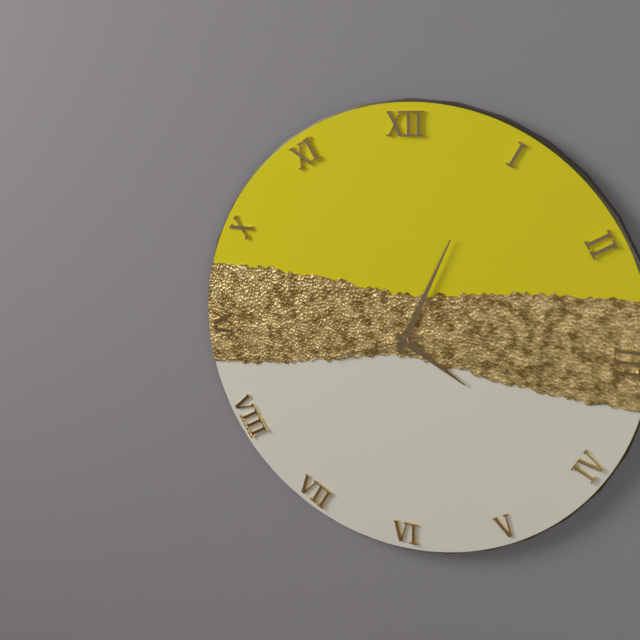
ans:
**4:04:42**
